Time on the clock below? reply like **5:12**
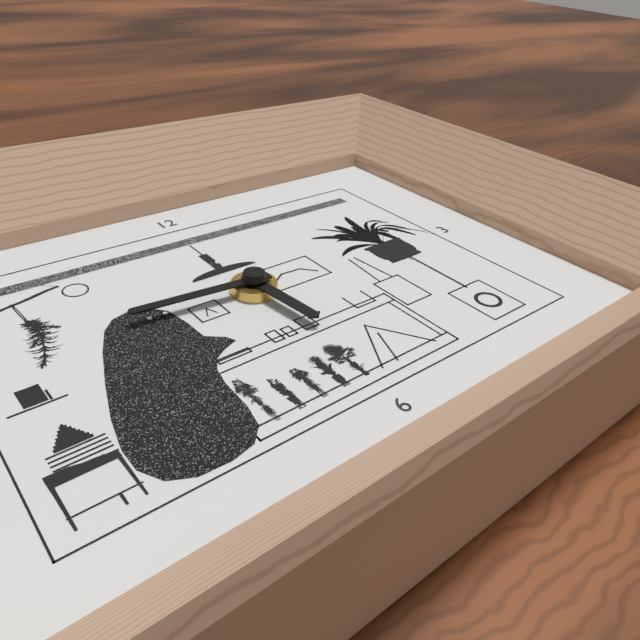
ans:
**5:46**
